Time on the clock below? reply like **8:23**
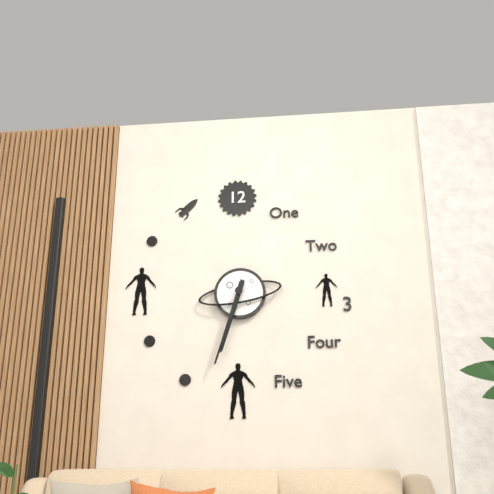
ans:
**6:33**
